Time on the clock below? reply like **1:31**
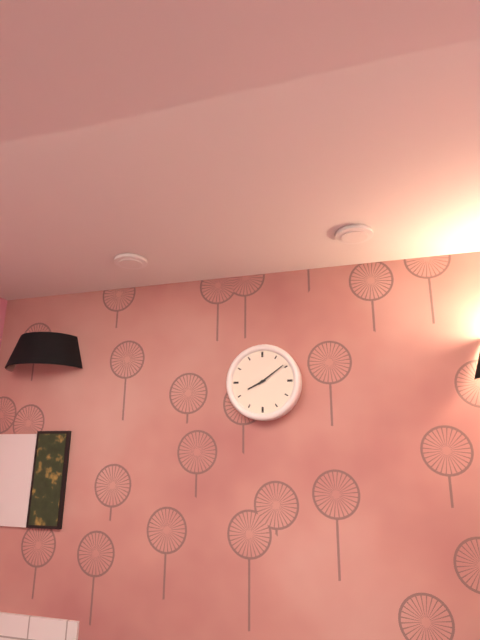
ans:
**8:09**
